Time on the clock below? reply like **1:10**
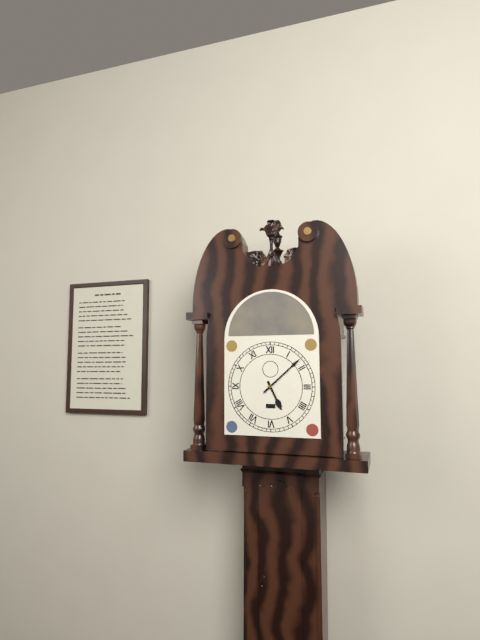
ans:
**5:08**
